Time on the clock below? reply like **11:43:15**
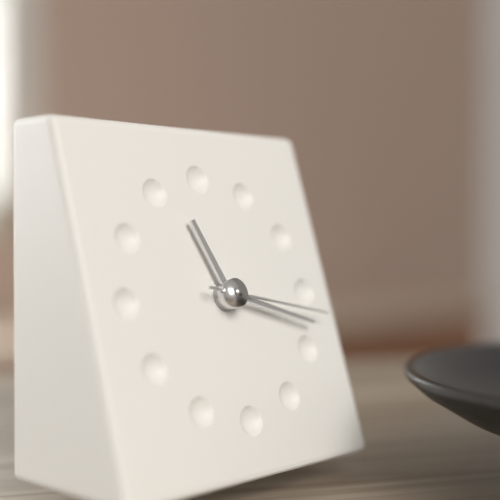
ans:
**11:18:17**
